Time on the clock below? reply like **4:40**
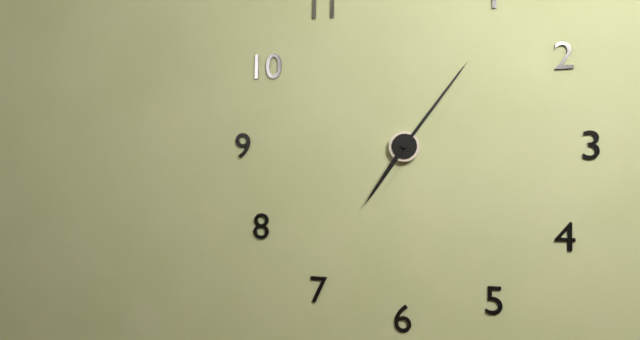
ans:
**7:06**
